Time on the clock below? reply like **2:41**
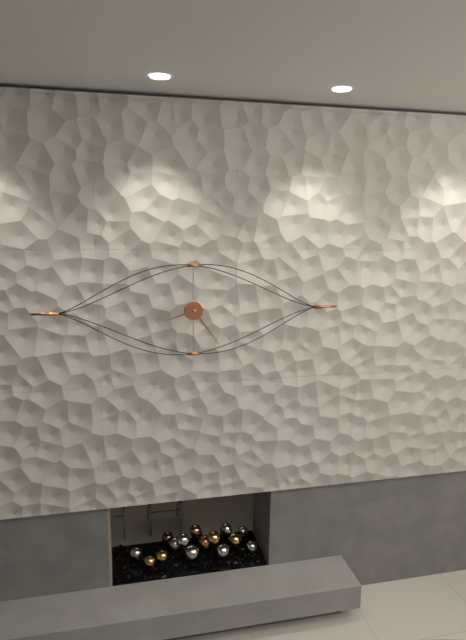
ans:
**8:24**
